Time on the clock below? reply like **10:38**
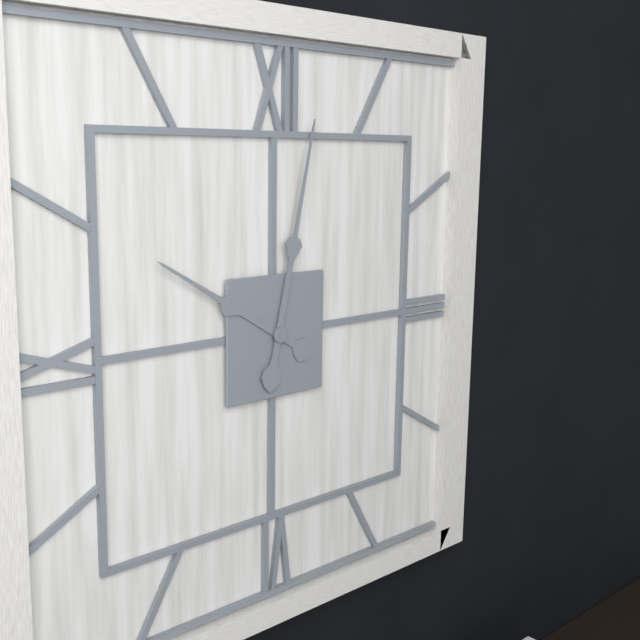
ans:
**10:02**
